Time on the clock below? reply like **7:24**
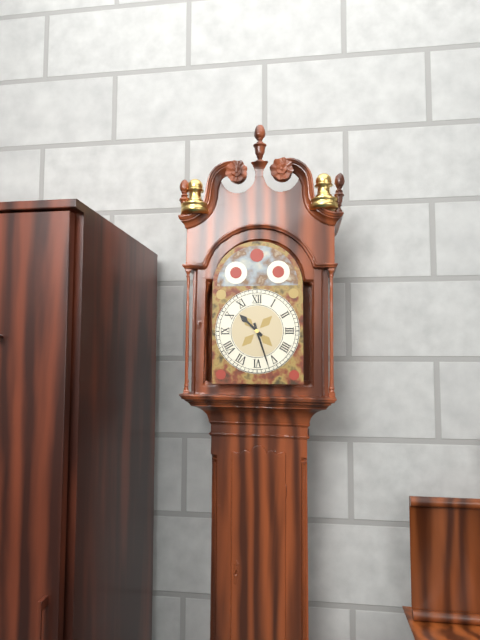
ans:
**10:27**
